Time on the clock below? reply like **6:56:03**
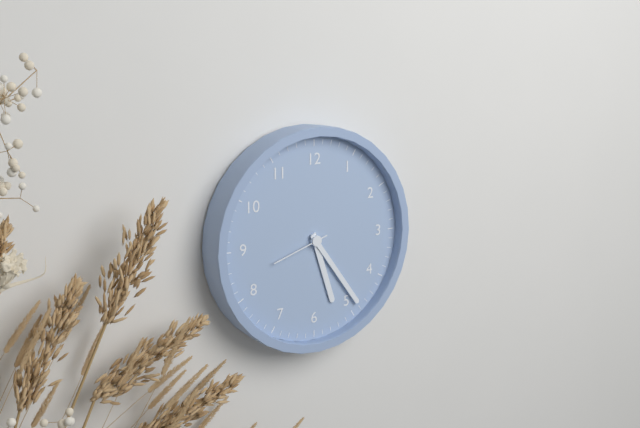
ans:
**5:24:42**
